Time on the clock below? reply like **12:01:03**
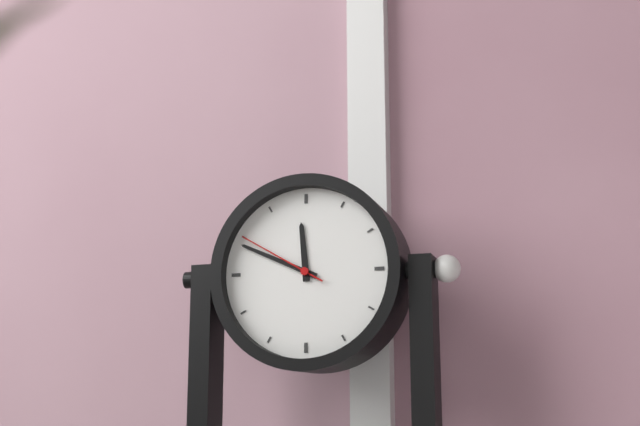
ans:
**11:49:50**
